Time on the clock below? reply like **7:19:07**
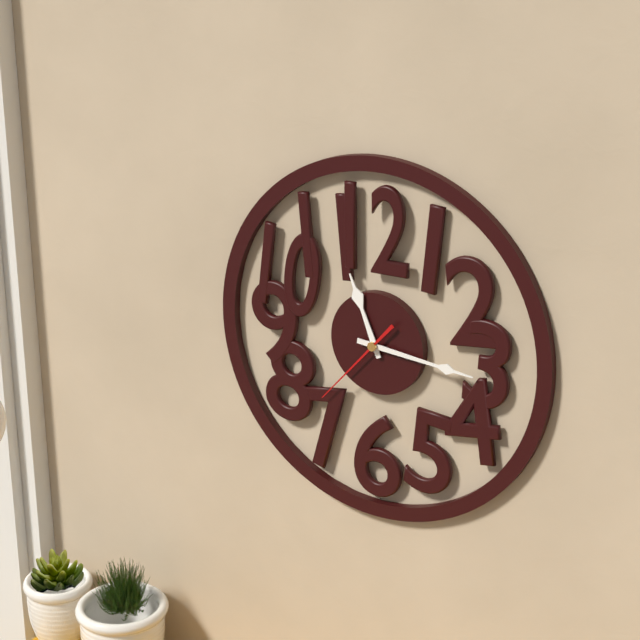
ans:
**11:16:37**
